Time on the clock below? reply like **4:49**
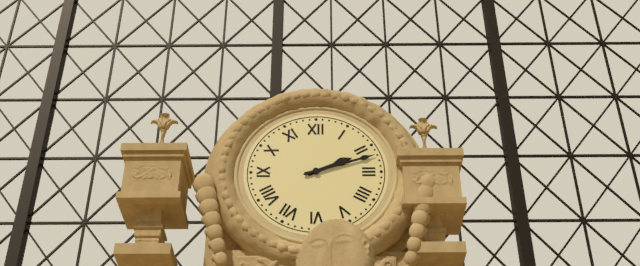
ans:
**2:12**
